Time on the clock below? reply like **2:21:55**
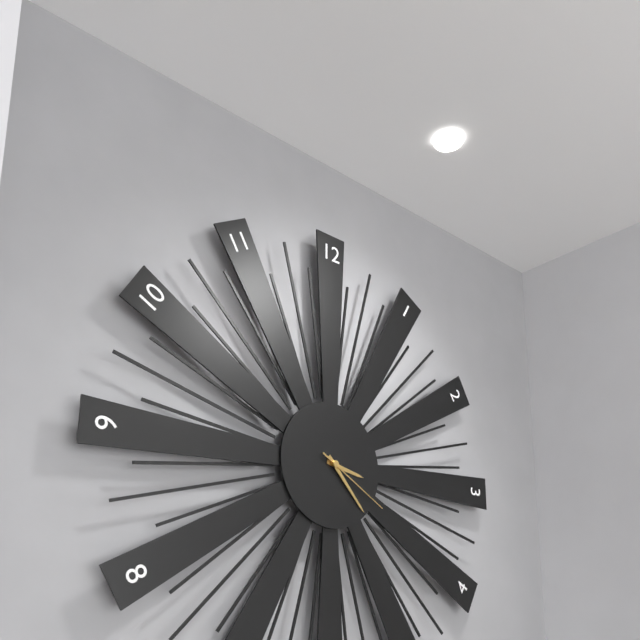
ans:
**3:23:20**
